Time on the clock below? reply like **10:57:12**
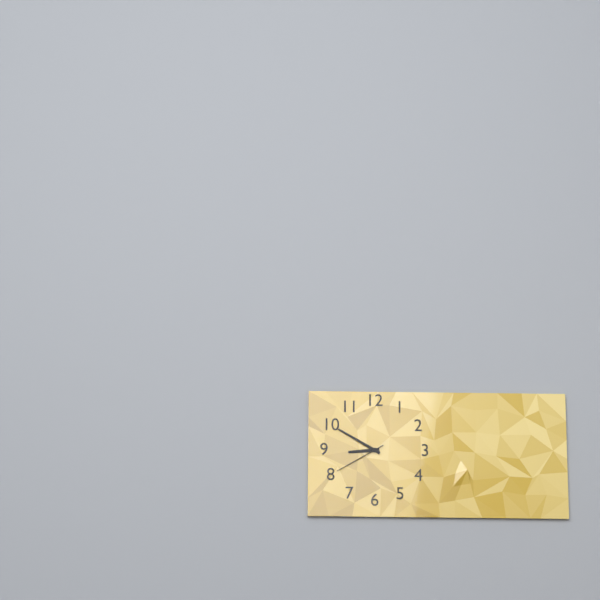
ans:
**8:50:40**
